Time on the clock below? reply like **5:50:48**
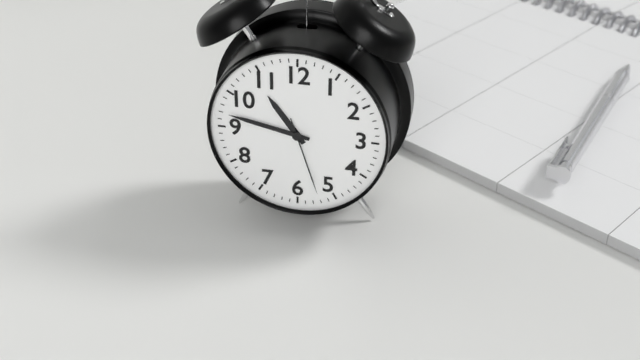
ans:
**10:47:27**
